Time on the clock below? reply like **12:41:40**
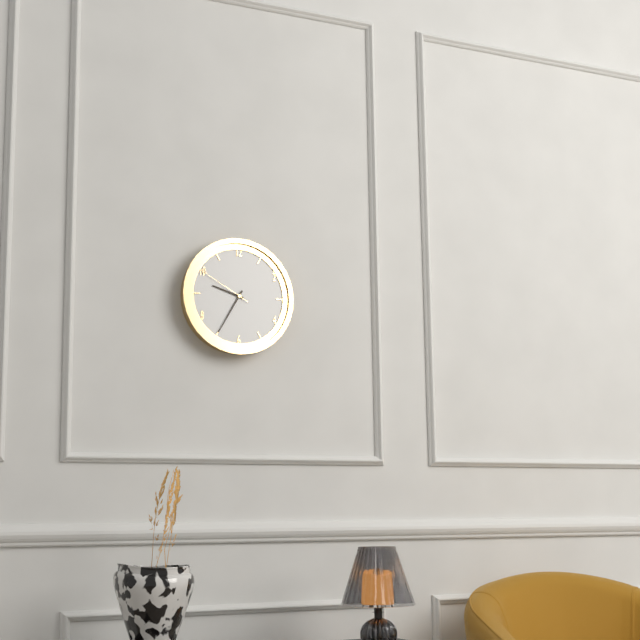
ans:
**9:35:50**
